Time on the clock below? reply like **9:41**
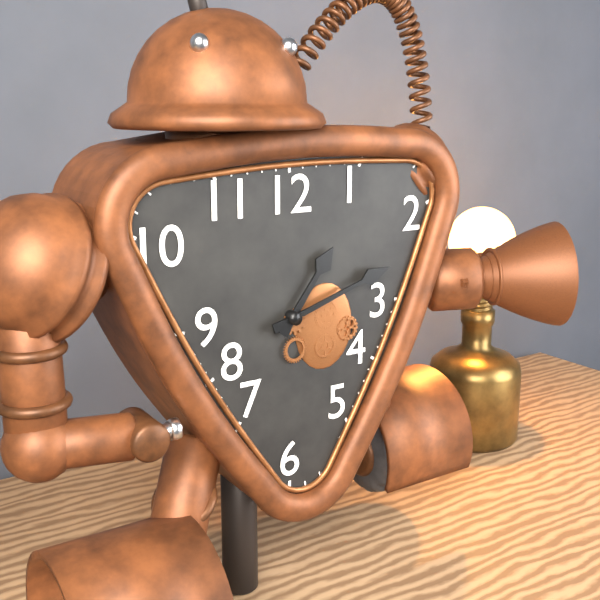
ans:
**1:12**
